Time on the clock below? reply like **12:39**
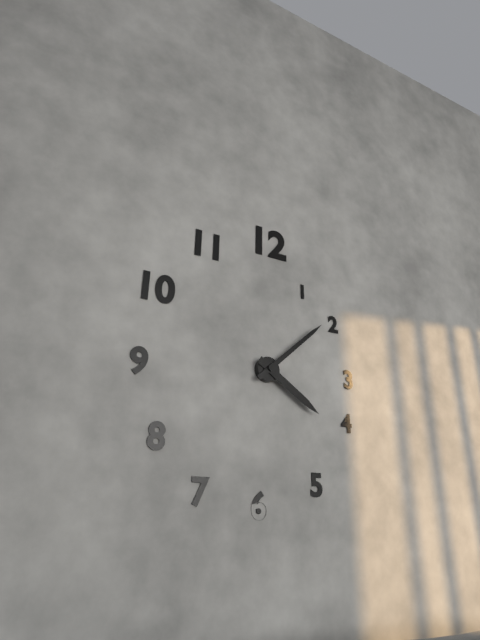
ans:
**4:08**
